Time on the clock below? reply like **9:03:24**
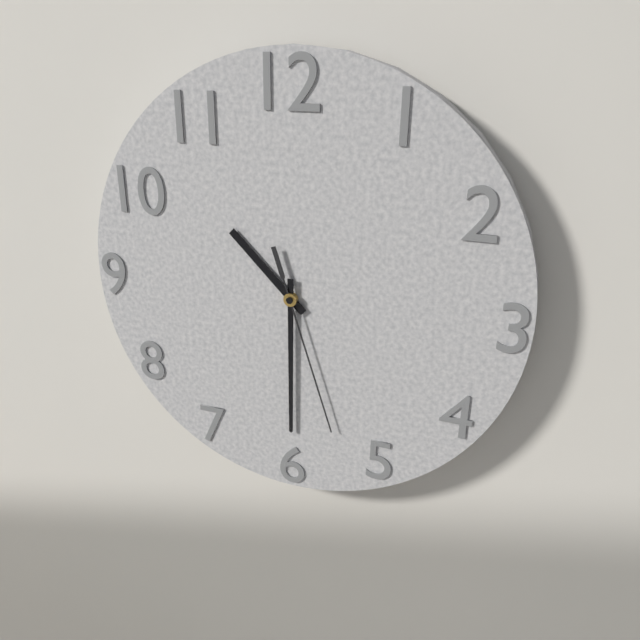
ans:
**10:30:27**
